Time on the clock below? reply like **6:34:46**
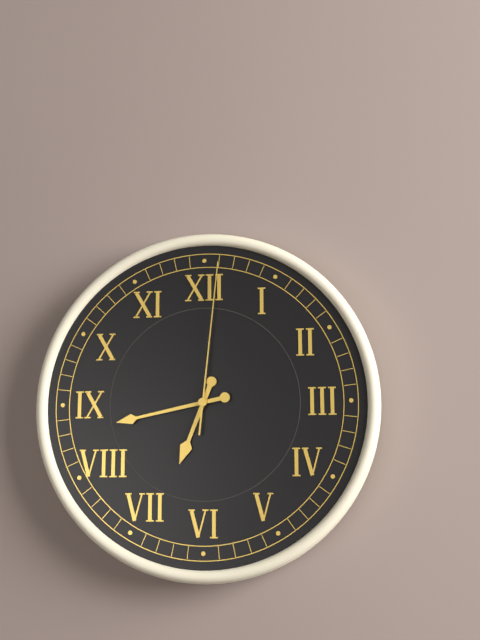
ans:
**6:43:01**
